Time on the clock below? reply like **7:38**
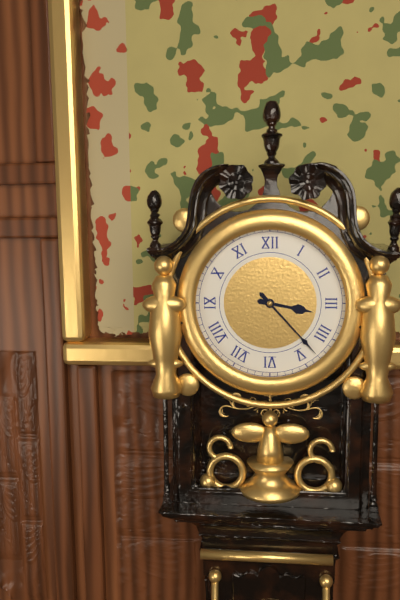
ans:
**3:23**
